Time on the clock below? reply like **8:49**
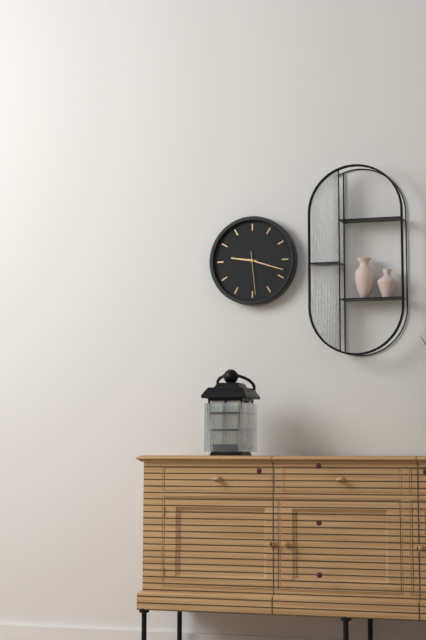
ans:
**9:18**
